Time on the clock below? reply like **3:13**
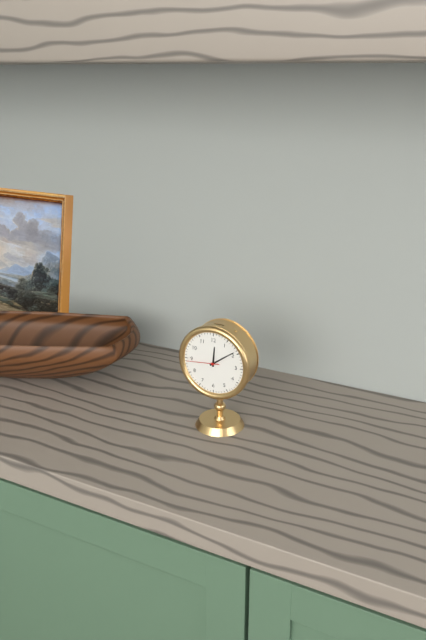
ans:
**12:09**
